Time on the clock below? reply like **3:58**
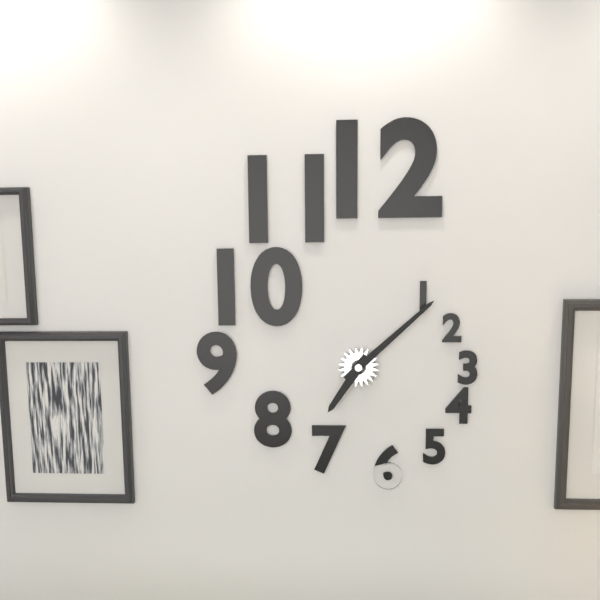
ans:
**7:08**
